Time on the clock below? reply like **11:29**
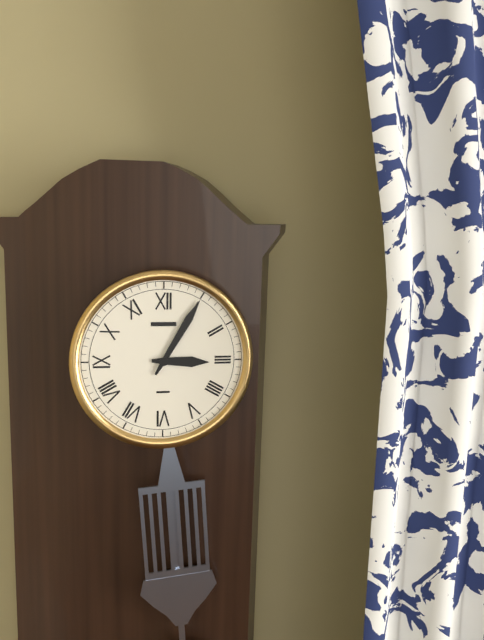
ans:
**3:05**
